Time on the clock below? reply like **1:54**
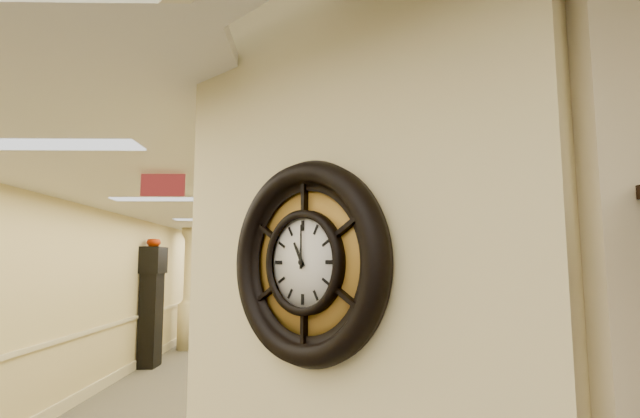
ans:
**11:00**
